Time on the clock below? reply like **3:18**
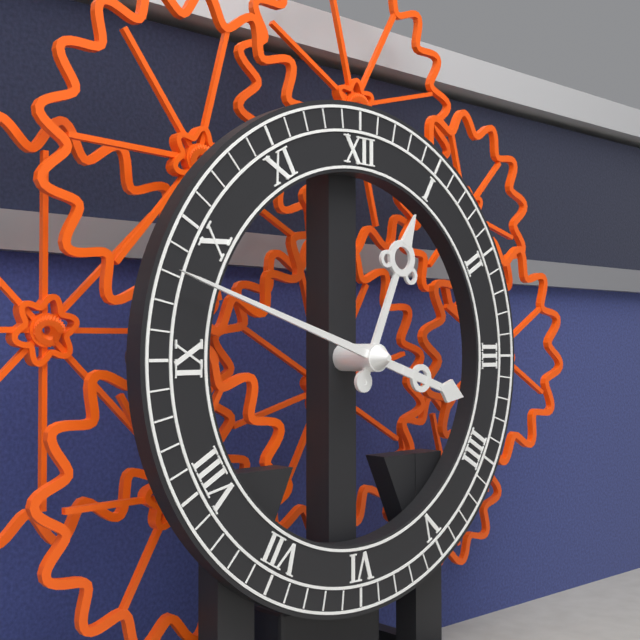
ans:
**12:48**
